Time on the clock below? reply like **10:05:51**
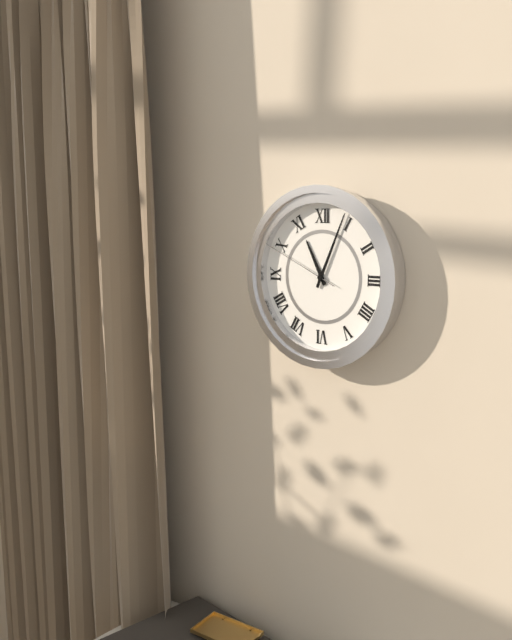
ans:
**11:04:49**
